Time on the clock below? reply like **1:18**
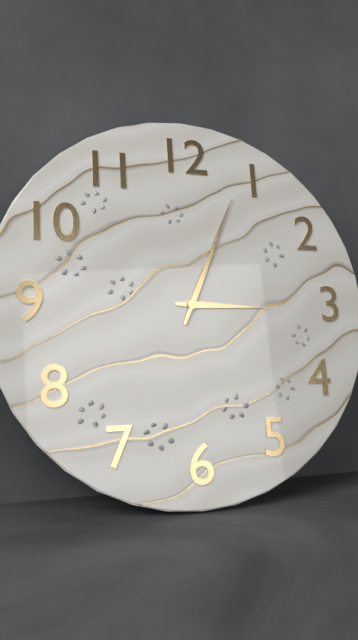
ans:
**3:04**
